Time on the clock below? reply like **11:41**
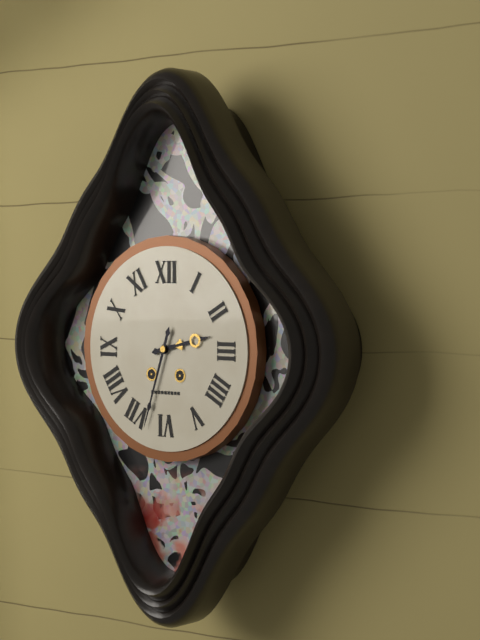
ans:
**2:33**
